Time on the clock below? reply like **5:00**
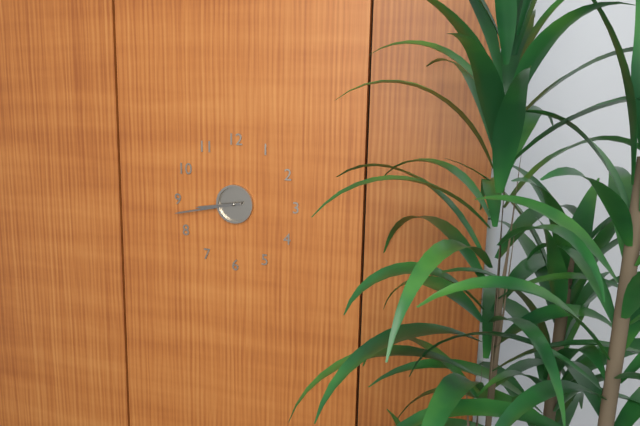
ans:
**8:43**
